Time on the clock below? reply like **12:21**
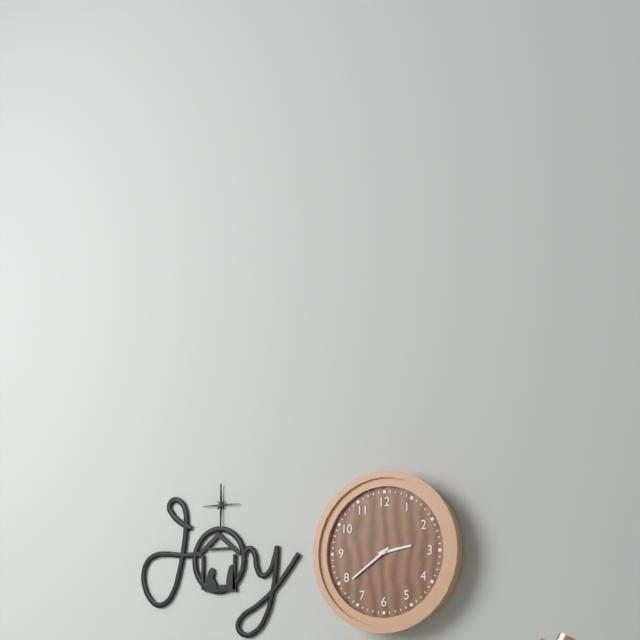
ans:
**2:39**
